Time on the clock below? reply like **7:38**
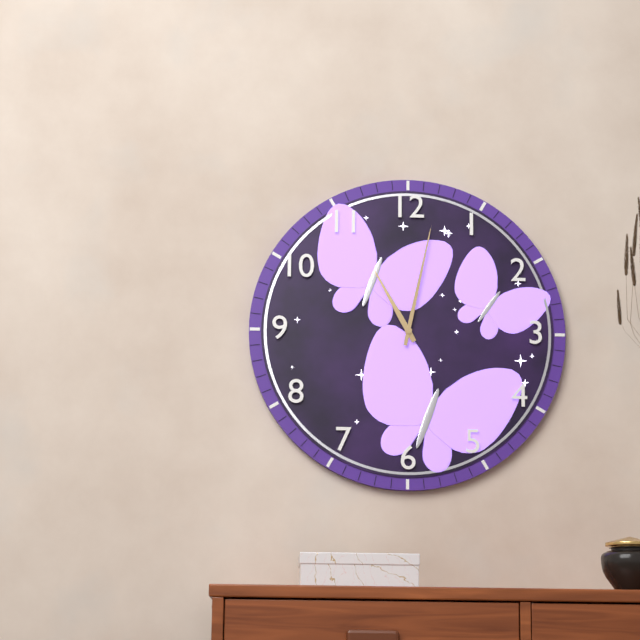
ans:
**11:02**
